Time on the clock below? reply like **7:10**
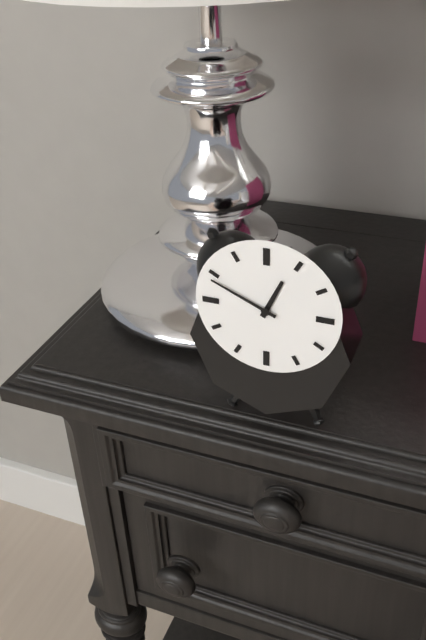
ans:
**12:49**
